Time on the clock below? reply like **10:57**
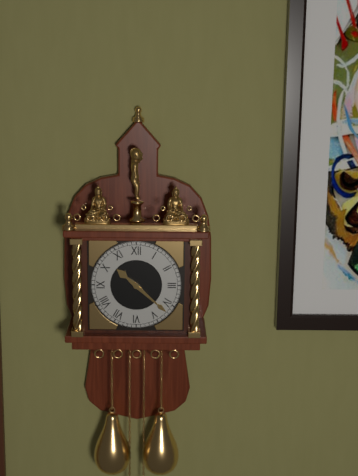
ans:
**10:22**
